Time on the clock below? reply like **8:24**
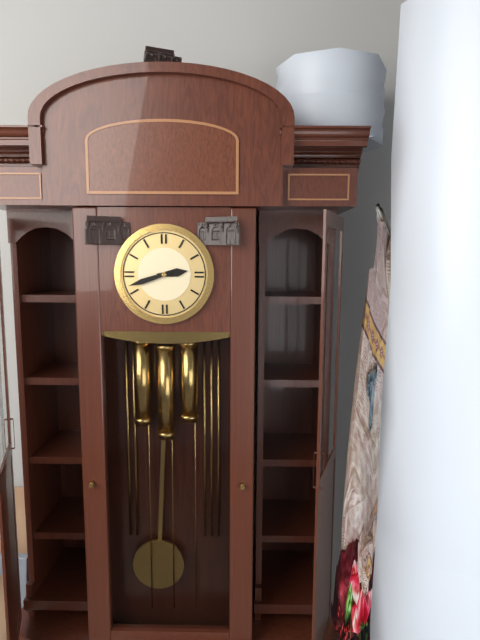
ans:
**2:42**
